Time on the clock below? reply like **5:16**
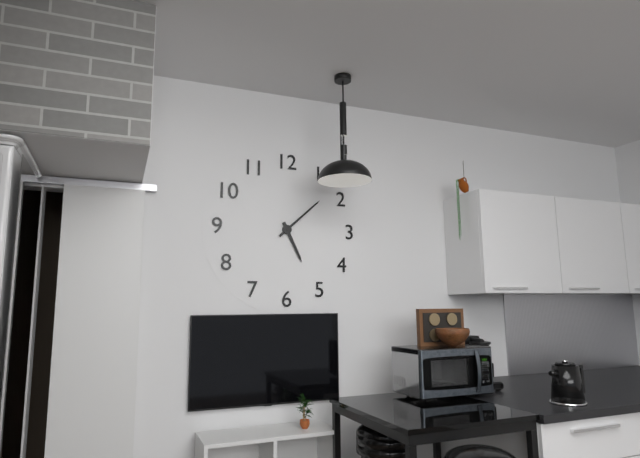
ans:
**5:08**
